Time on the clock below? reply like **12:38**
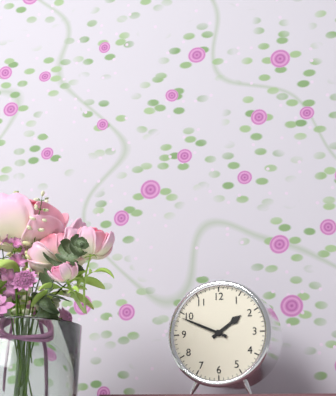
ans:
**1:49**
